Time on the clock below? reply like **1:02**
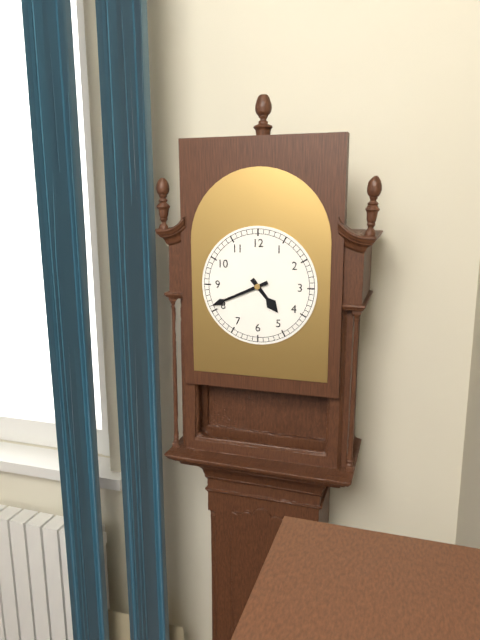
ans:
**4:41**
